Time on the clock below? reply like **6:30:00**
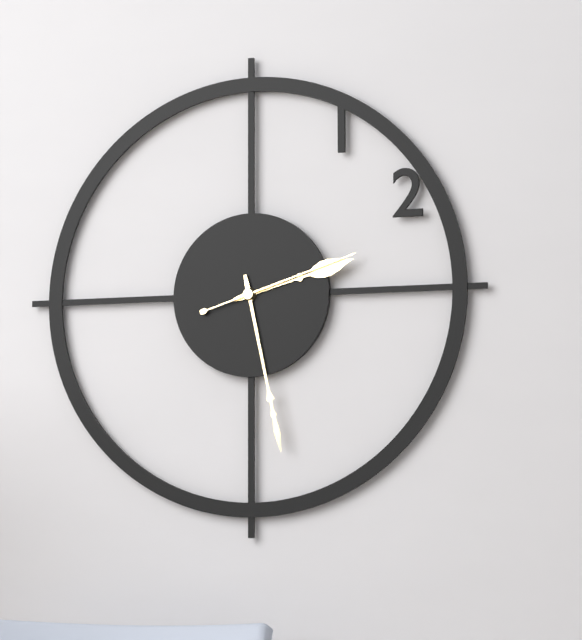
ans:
**2:28:12**
